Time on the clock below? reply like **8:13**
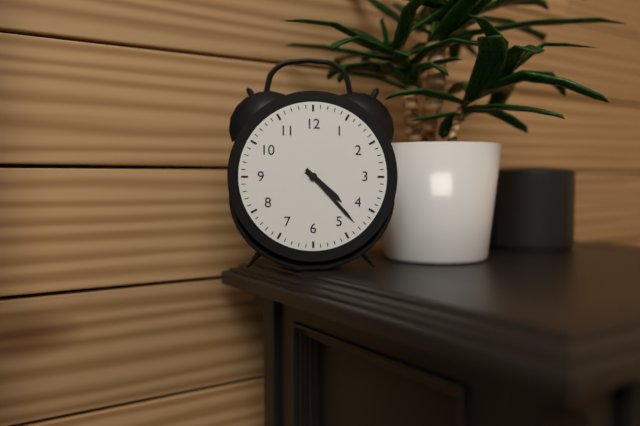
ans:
**4:23**
